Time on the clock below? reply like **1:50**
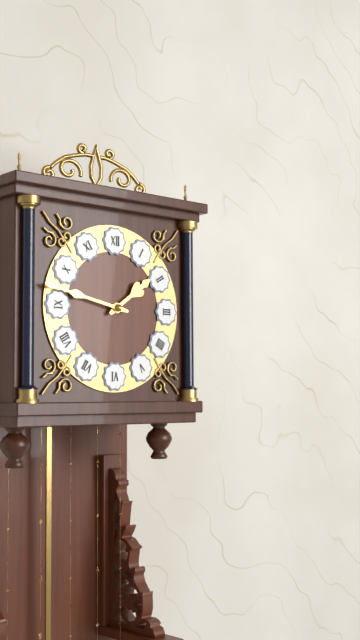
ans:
**1:47**
